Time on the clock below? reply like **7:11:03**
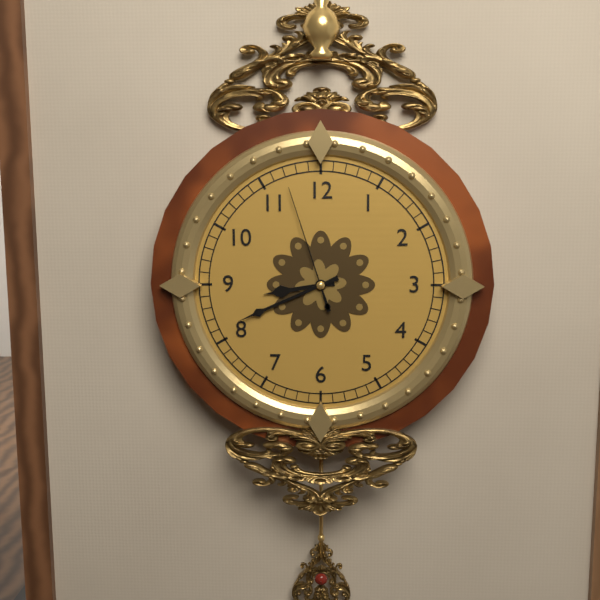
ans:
**8:41:57**
